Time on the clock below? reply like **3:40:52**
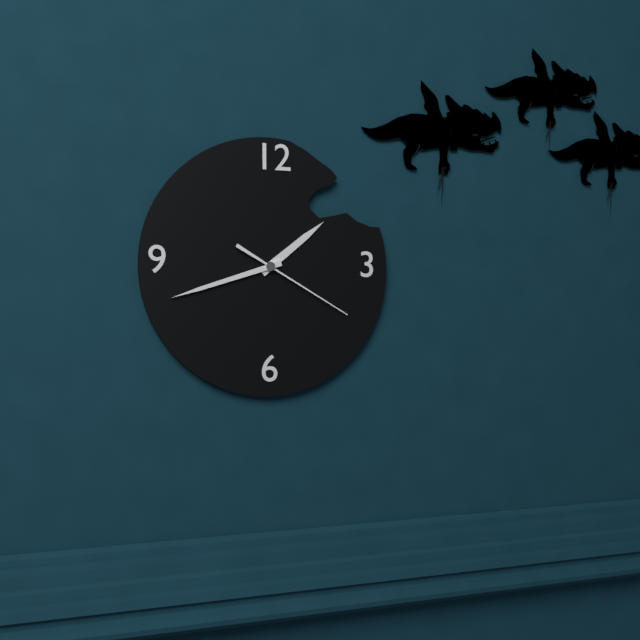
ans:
**1:42:20**
